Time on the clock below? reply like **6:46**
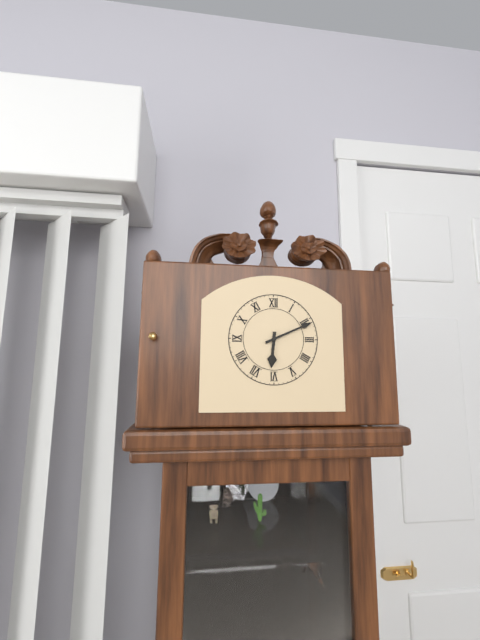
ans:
**6:11**
